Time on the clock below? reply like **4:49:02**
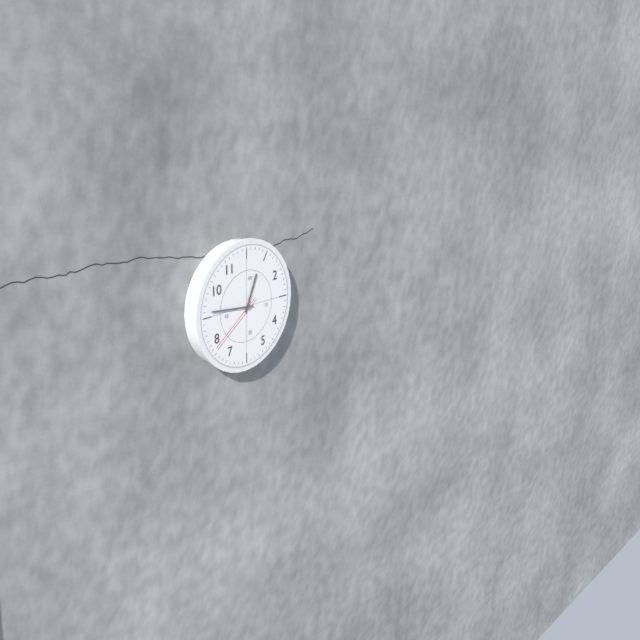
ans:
**12:46:39**
